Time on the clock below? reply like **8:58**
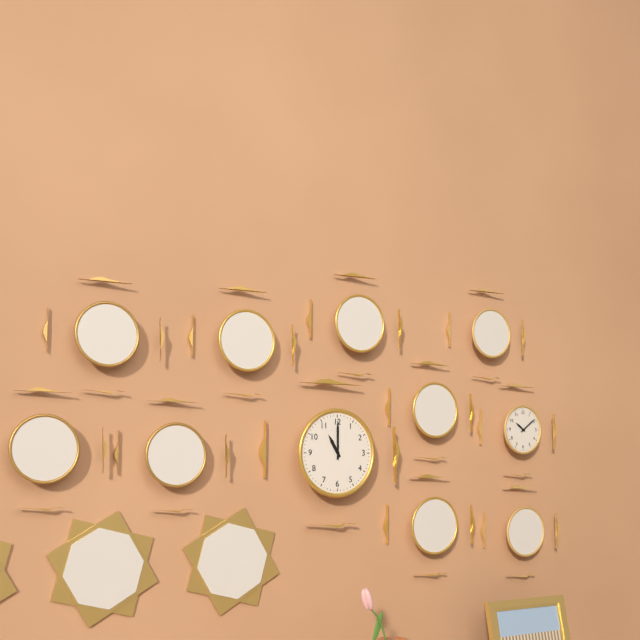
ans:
**11:00**
